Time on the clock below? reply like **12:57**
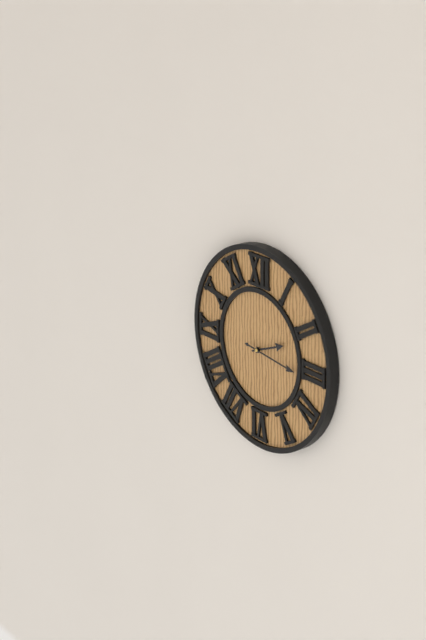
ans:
**2:16**
